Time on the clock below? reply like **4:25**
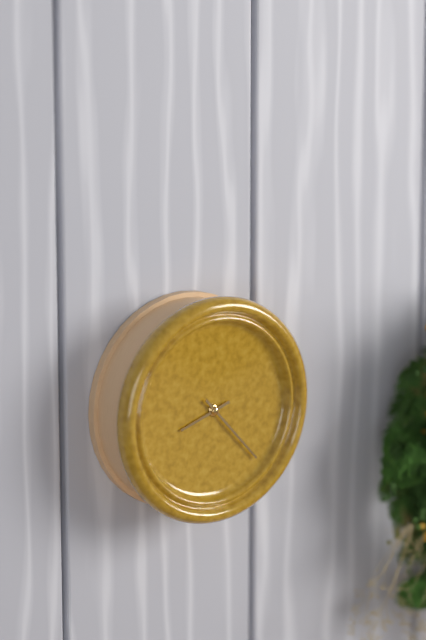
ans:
**8:23**
